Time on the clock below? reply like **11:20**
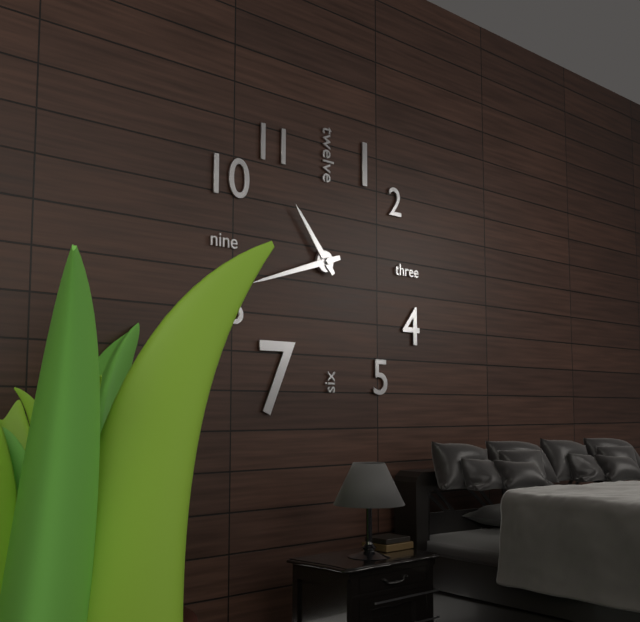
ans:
**10:42**
